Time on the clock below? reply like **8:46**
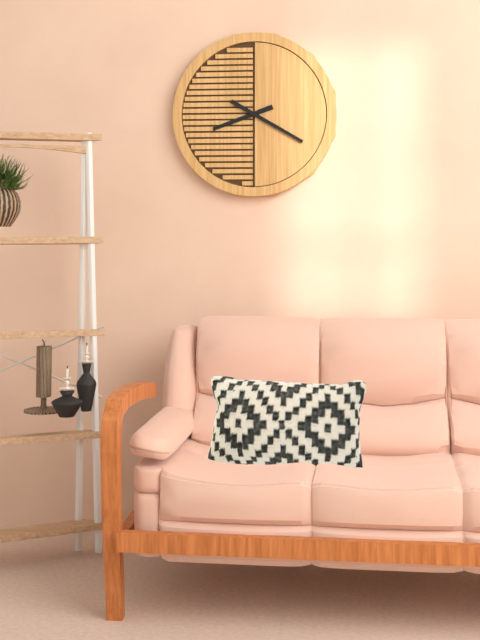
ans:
**8:20**
